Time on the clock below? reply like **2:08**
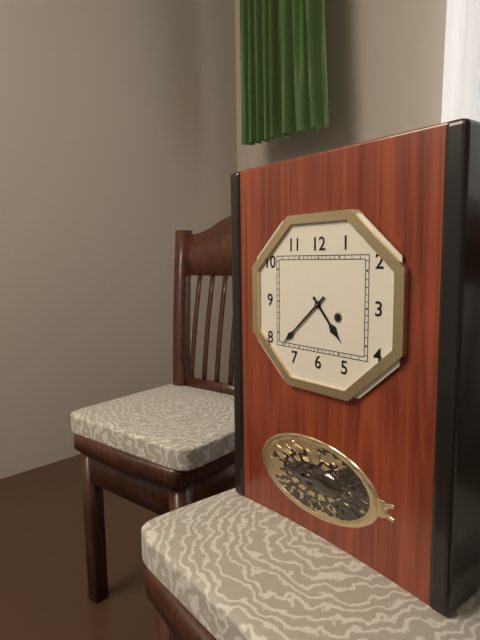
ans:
**4:38**
